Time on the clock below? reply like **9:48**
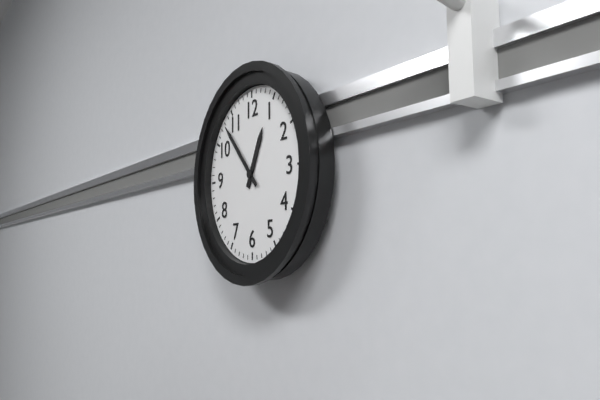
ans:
**12:53**
